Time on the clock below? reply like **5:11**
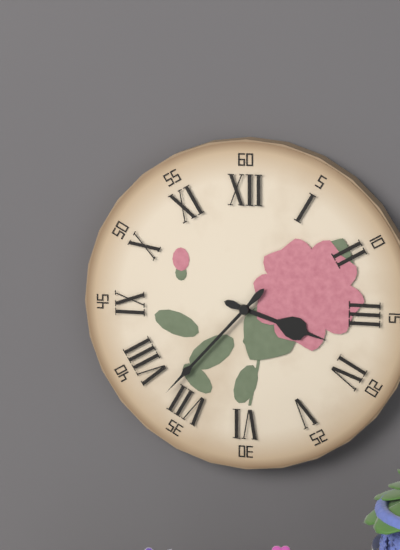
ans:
**3:37**
